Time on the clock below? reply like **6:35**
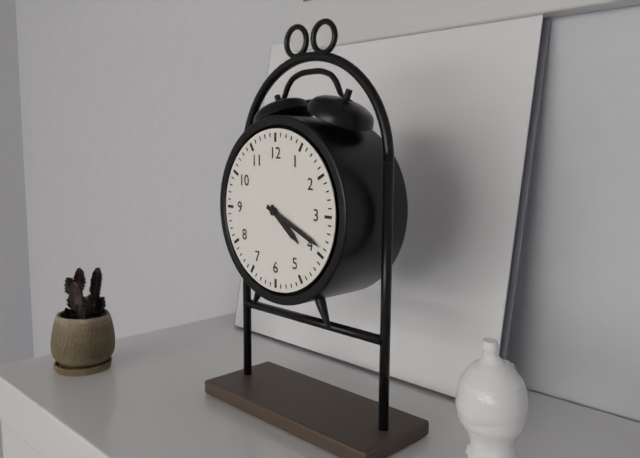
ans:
**4:19**
